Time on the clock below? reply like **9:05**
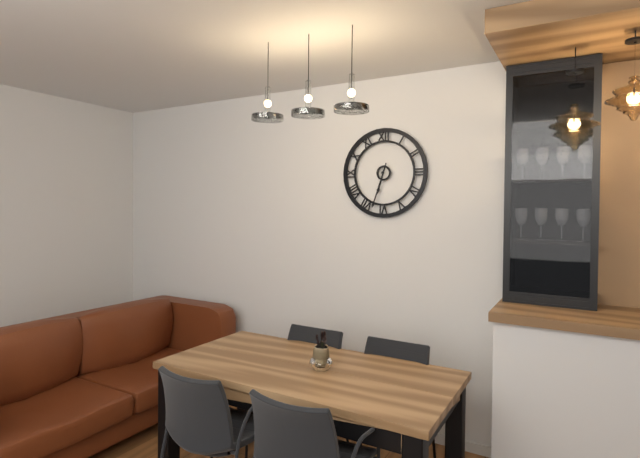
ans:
**6:33**
